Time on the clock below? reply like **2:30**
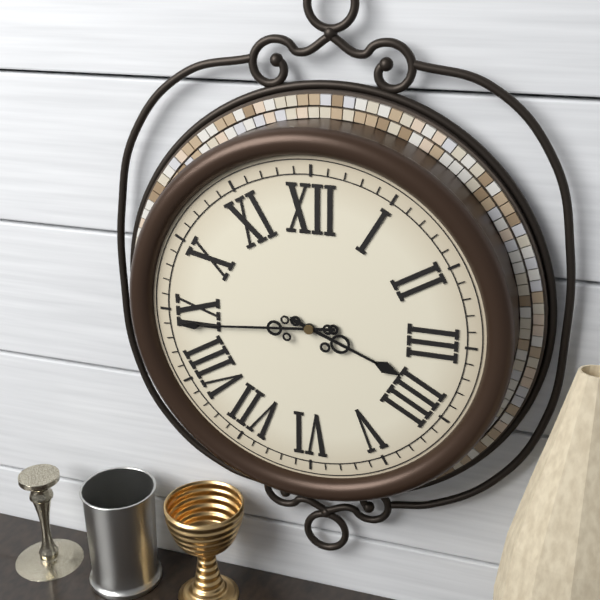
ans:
**3:44**
